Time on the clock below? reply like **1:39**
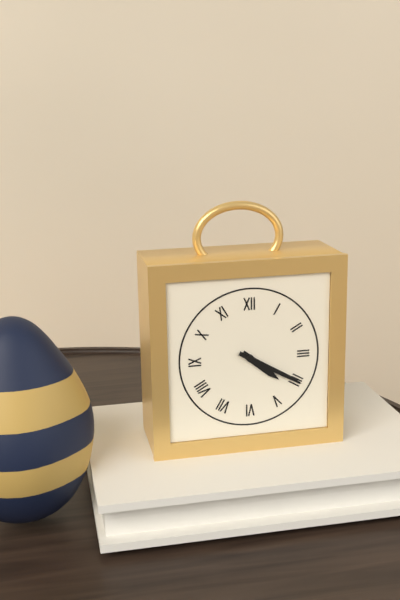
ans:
**4:20**
